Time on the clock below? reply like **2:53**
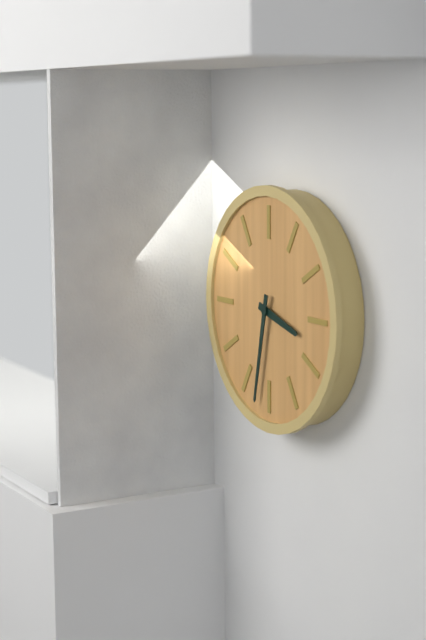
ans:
**3:32**
